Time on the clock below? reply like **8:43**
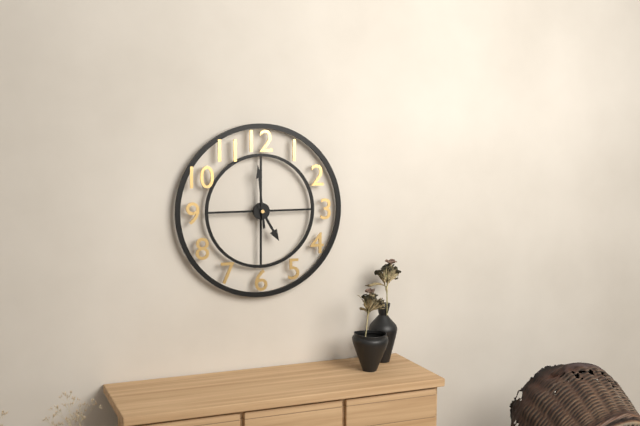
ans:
**4:59**
